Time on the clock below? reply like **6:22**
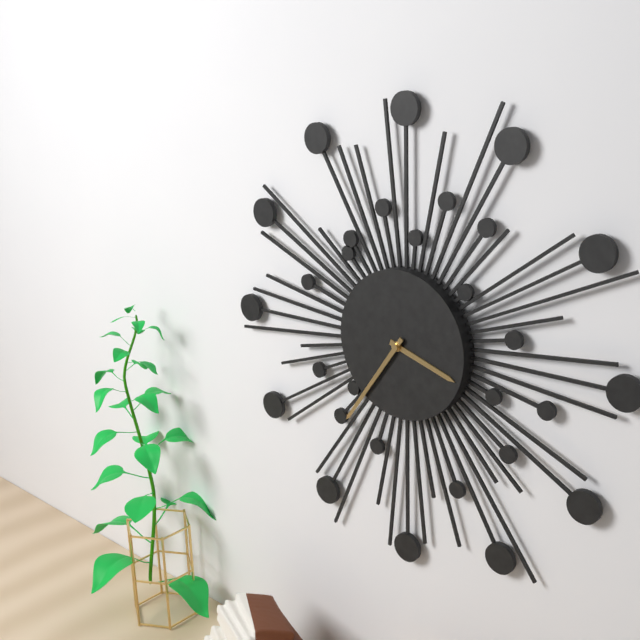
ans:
**3:36**
